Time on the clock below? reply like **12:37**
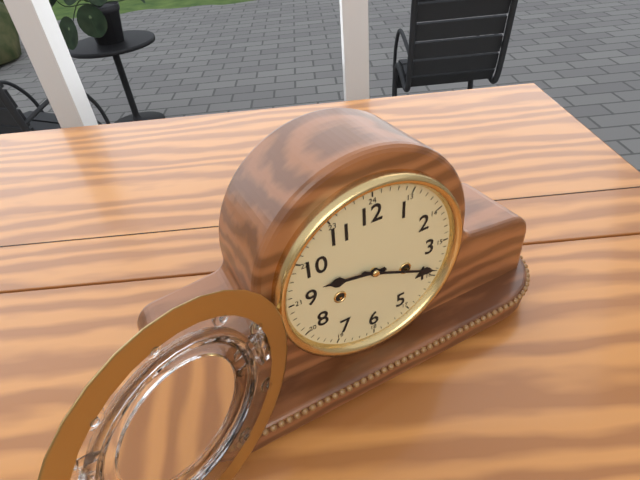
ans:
**9:19**
